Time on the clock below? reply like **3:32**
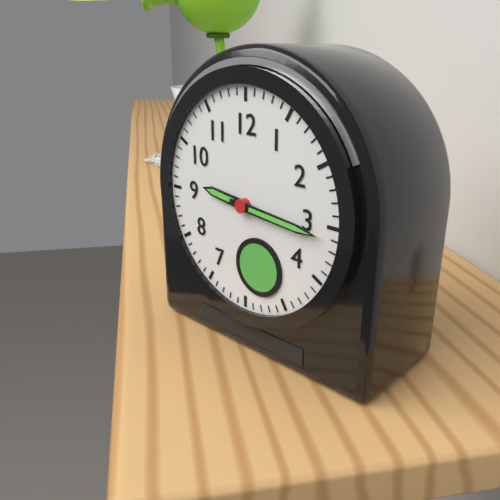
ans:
**9:16**
